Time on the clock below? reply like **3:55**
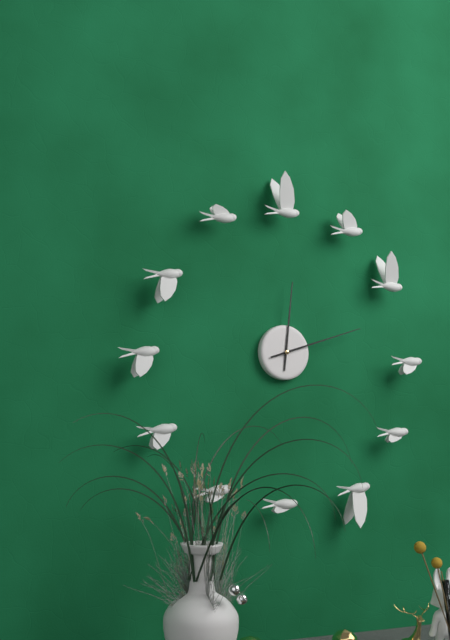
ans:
**12:12**
